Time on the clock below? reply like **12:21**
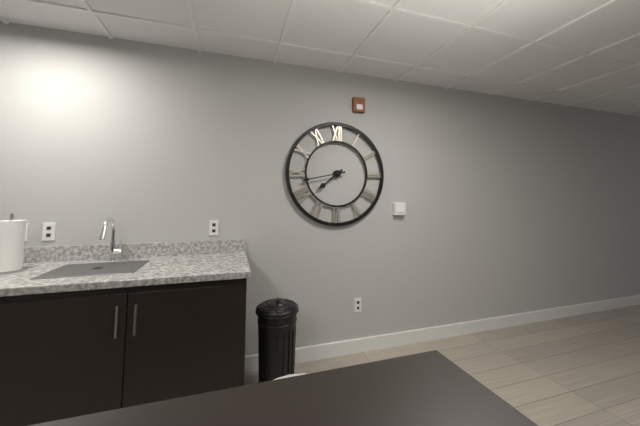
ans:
**7:43**
